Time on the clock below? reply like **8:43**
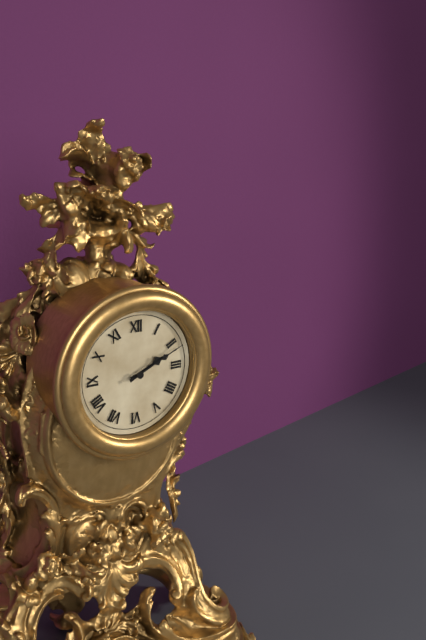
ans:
**2:11**
